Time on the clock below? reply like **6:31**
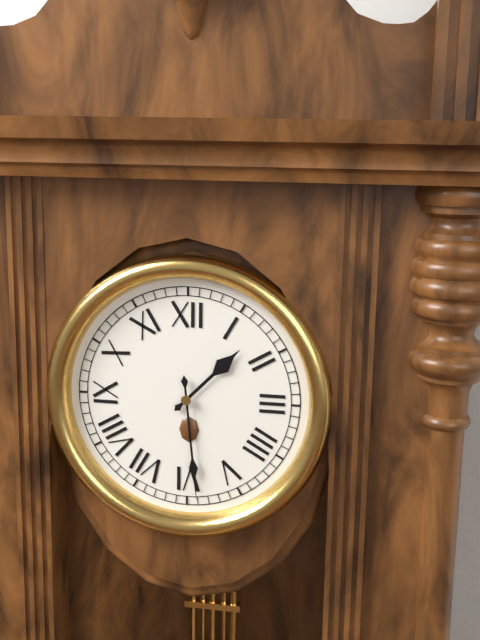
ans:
**1:29**
